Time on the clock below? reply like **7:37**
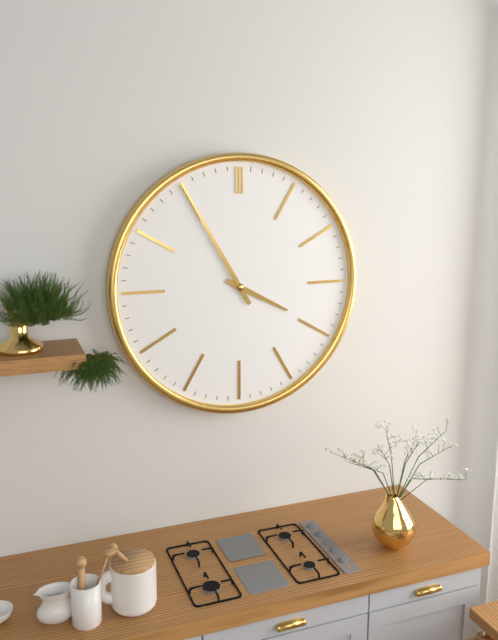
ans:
**3:55**
